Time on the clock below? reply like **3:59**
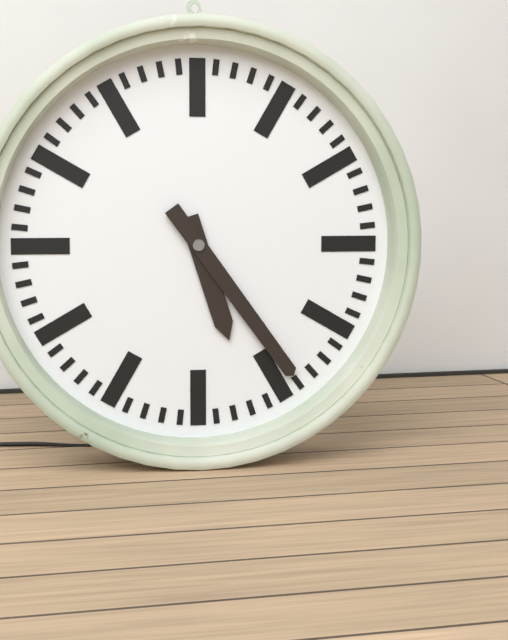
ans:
**5:24**
